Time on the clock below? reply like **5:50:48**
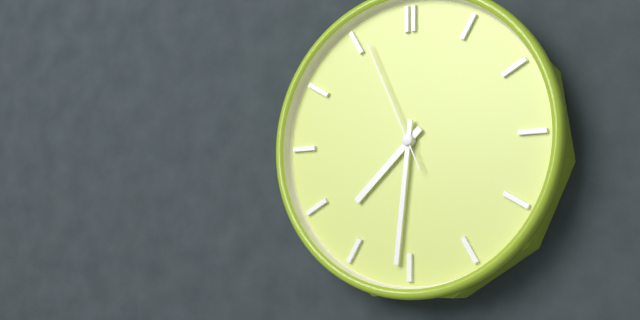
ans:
**7:31:56**
